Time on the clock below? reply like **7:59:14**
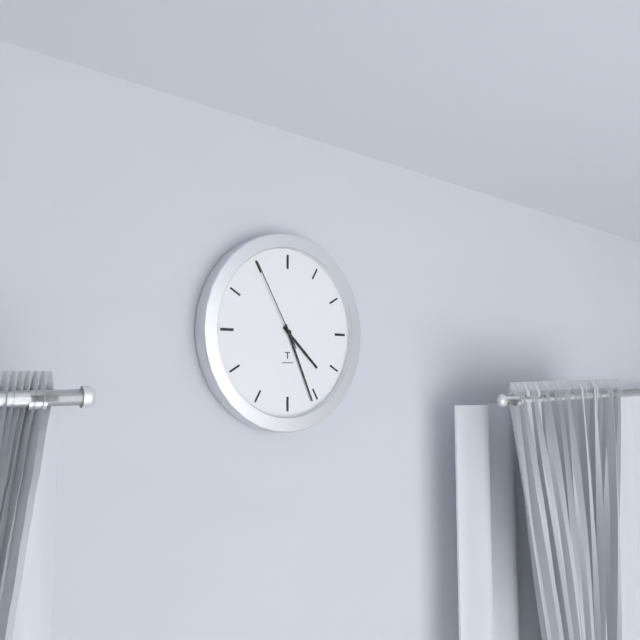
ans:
**4:26:55**
